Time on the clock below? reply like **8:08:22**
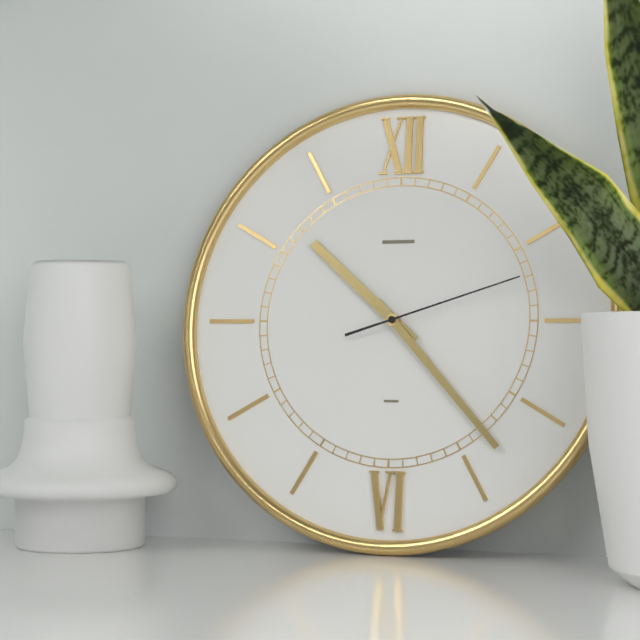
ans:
**10:23:12**
